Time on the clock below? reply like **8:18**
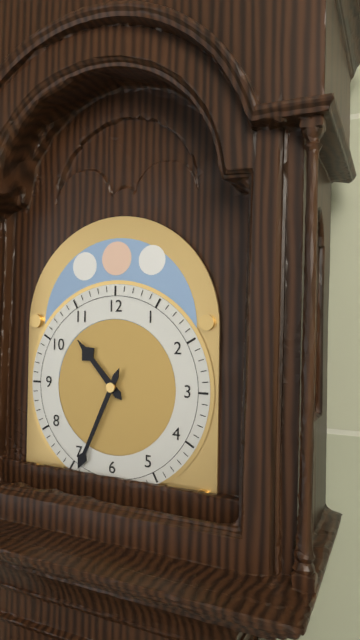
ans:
**10:34**
